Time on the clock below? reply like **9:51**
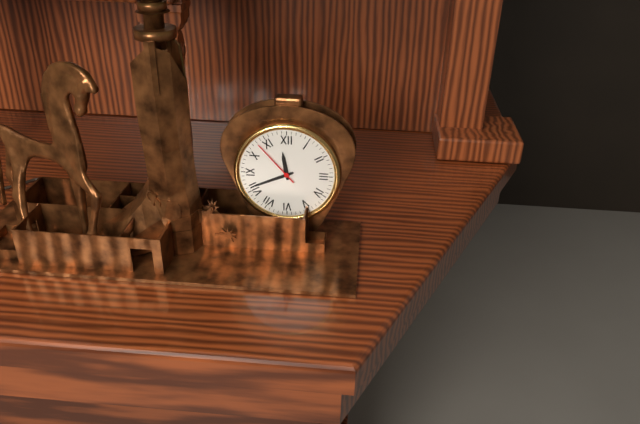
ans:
**11:41**
